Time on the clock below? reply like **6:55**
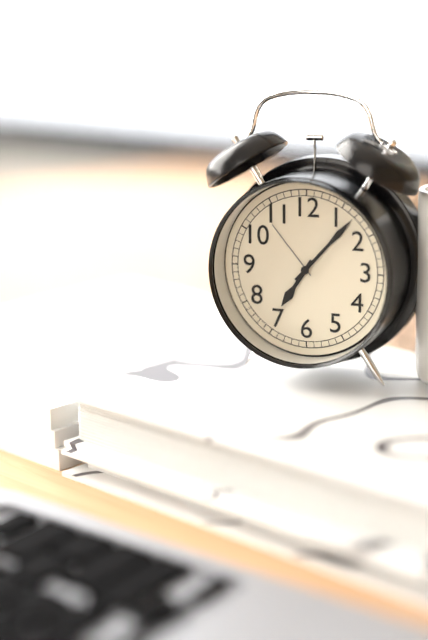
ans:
**7:07**
